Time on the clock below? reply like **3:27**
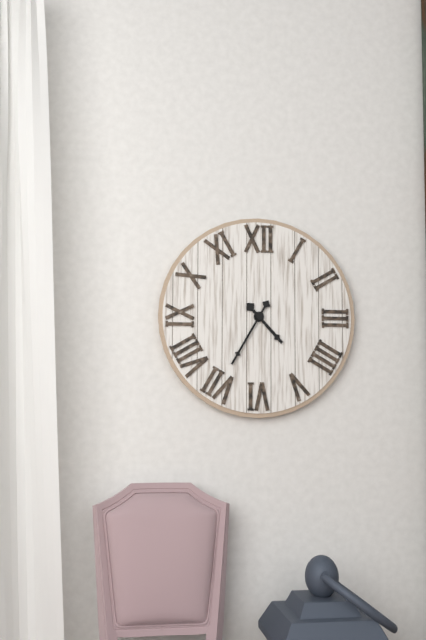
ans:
**4:35**
